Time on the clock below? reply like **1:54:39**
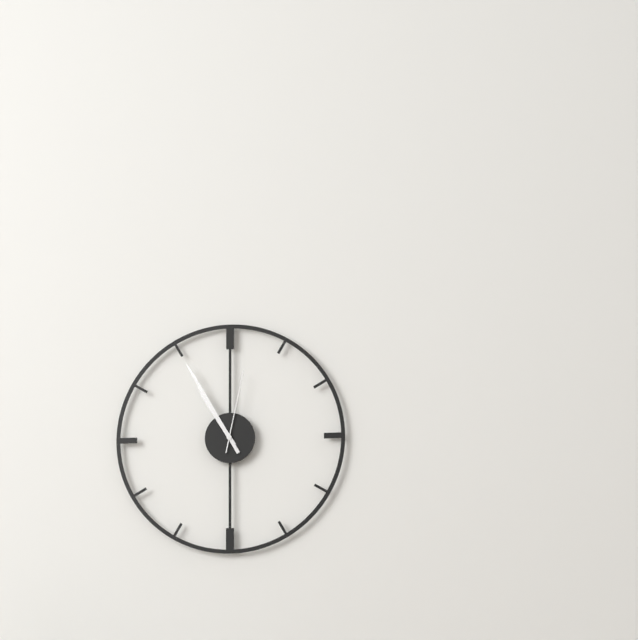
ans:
**10:55:02**
